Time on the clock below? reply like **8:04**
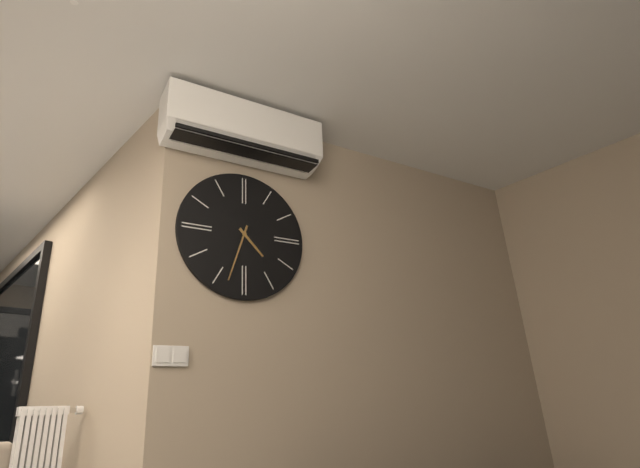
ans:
**4:33**
